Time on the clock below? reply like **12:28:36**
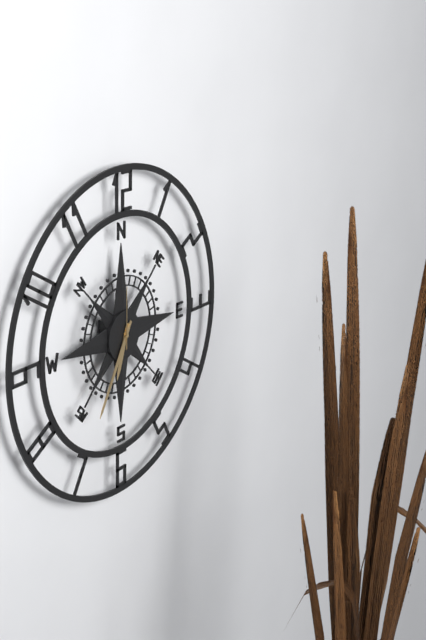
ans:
**6:35:00**
